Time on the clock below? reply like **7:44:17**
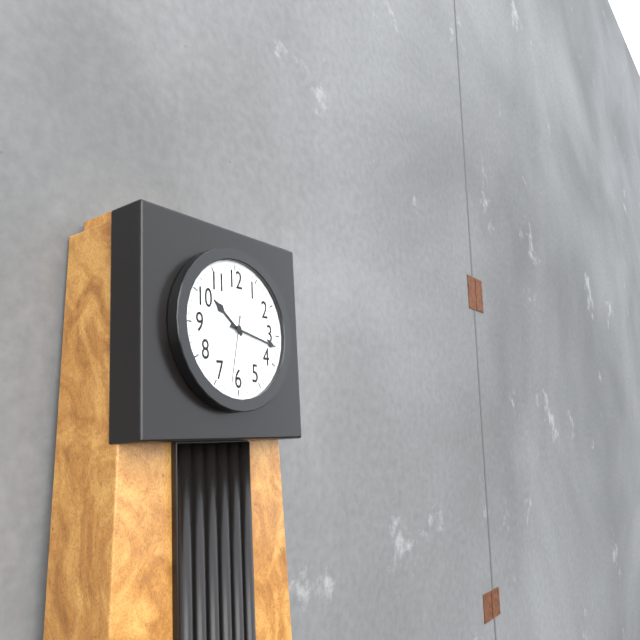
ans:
**10:17:32**
